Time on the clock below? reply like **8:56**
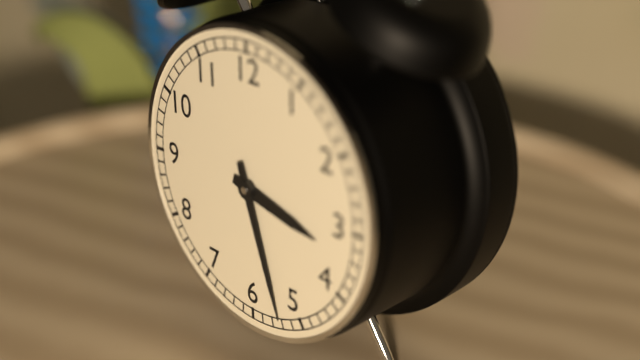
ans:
**3:27**
